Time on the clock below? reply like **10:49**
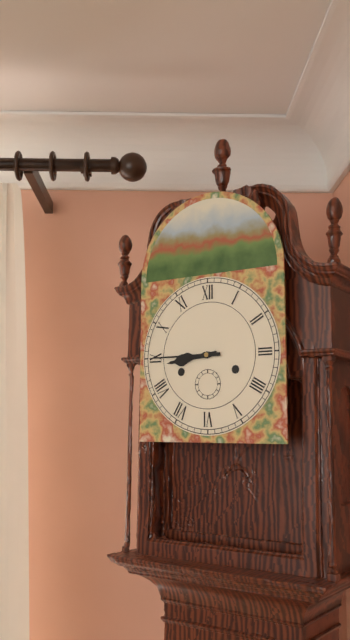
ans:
**8:45**
